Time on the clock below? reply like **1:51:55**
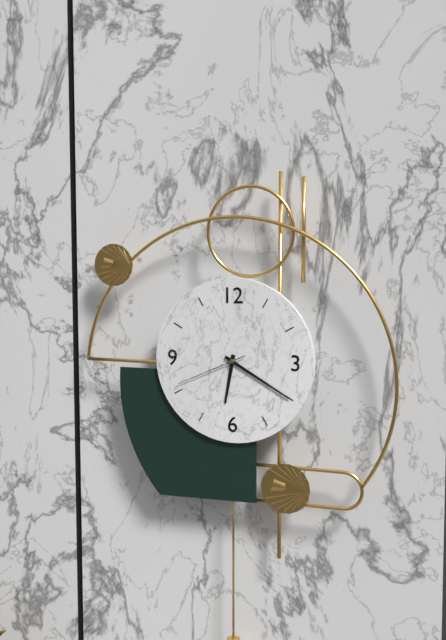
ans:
**6:20:41**
